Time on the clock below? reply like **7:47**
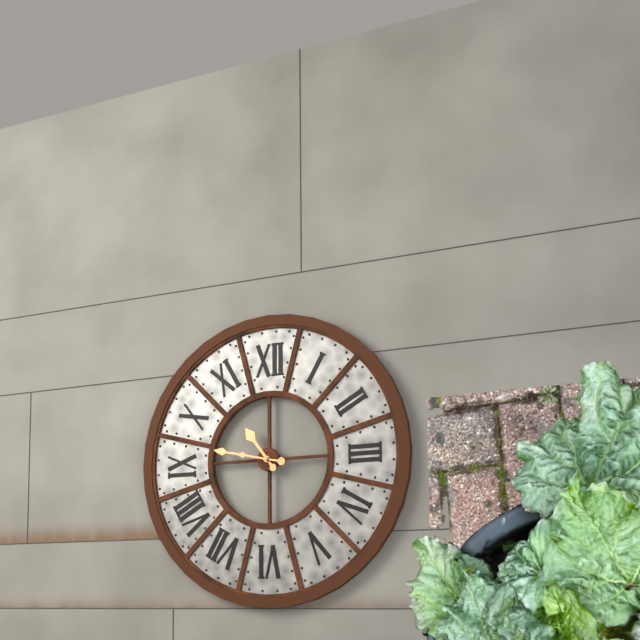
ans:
**10:47**
